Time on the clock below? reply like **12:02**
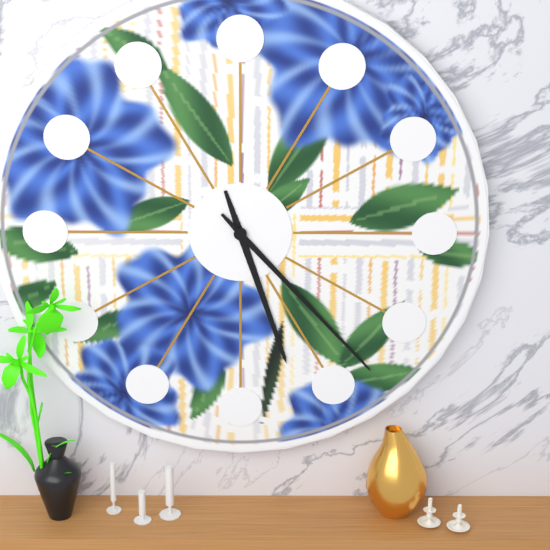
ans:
**5:23**
